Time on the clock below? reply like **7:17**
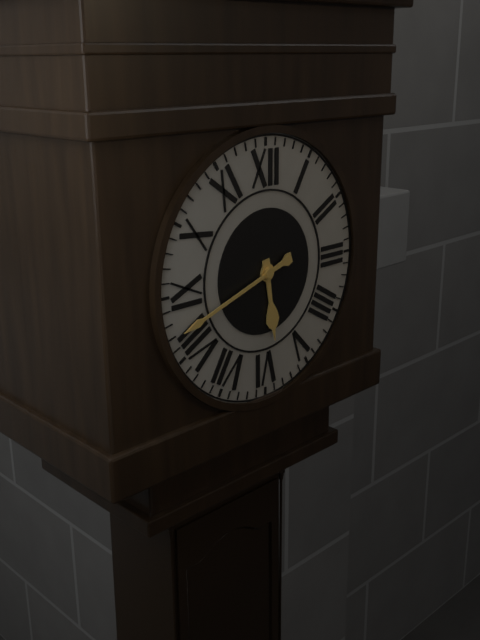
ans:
**5:42**
